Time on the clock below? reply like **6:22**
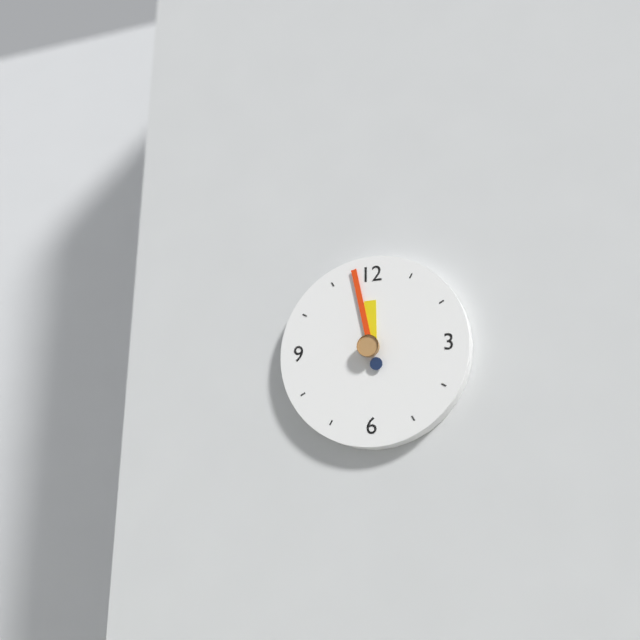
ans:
**11:58**
